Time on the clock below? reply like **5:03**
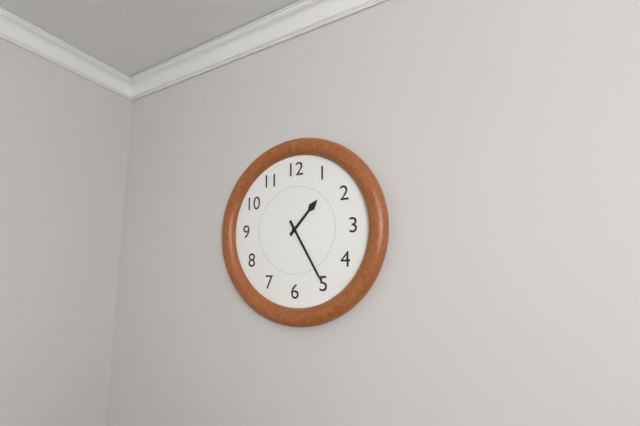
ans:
**1:25**
